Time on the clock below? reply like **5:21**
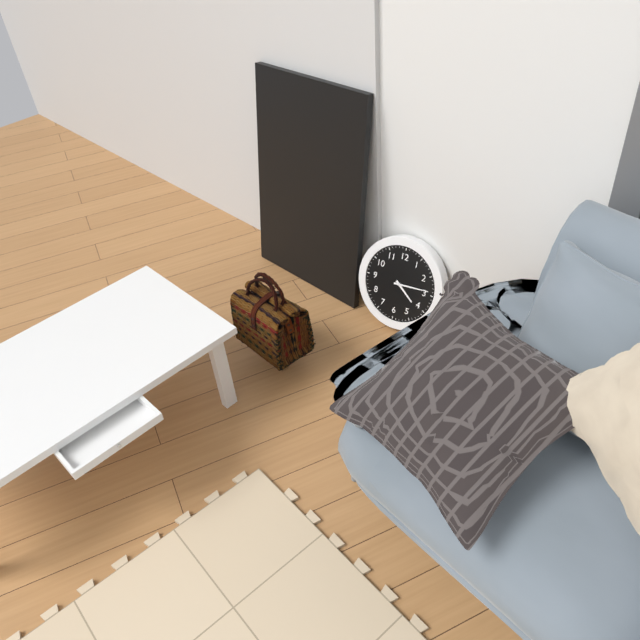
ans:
**4:14**
